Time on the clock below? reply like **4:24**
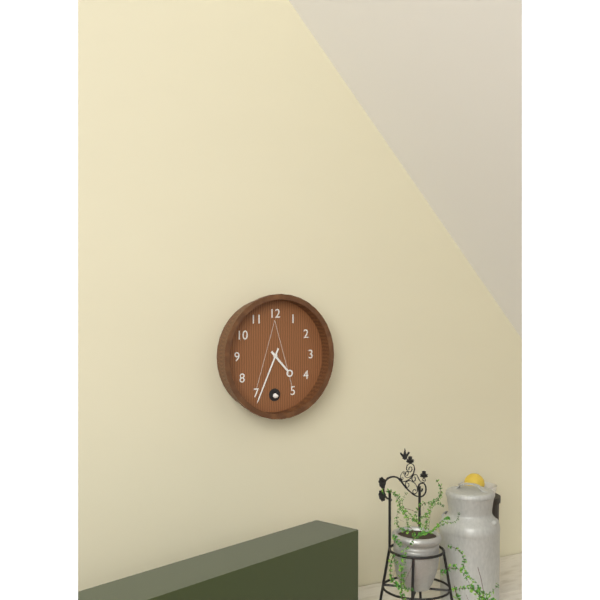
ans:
**4:34**
